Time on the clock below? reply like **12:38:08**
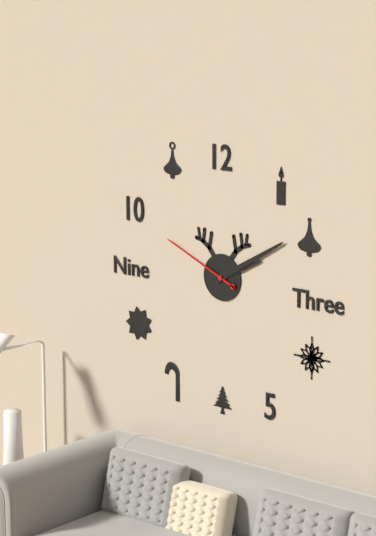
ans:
**2:10:49**
